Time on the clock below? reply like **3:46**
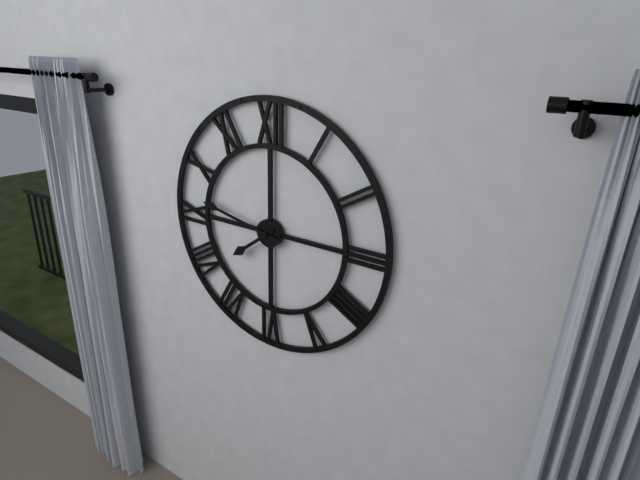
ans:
**7:47**
